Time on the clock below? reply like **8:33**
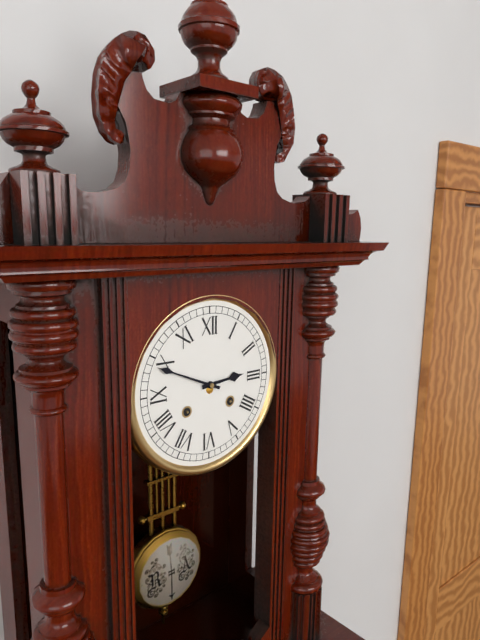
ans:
**2:49**
